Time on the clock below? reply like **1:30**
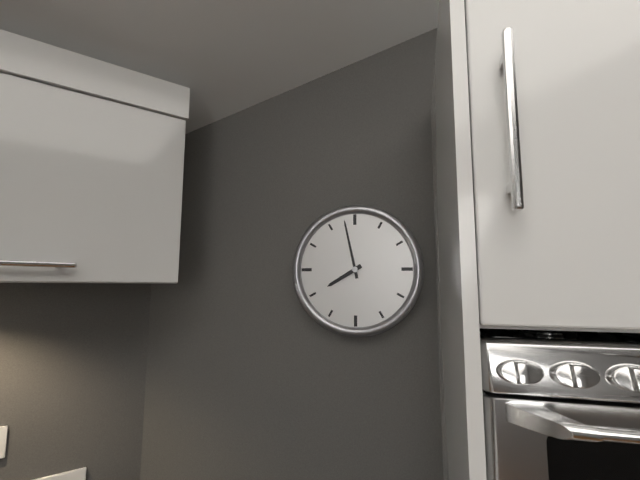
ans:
**7:58**
